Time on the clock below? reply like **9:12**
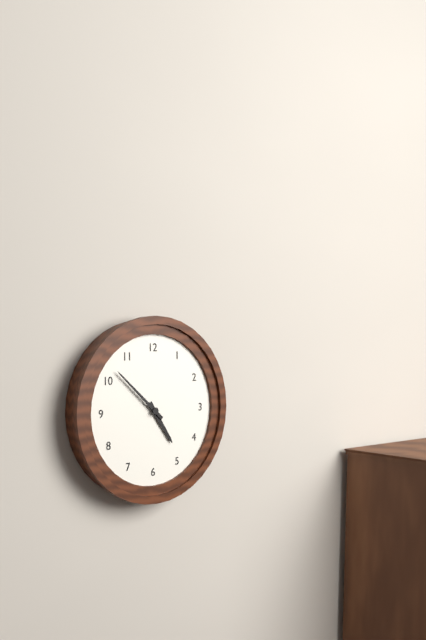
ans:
**4:52**
